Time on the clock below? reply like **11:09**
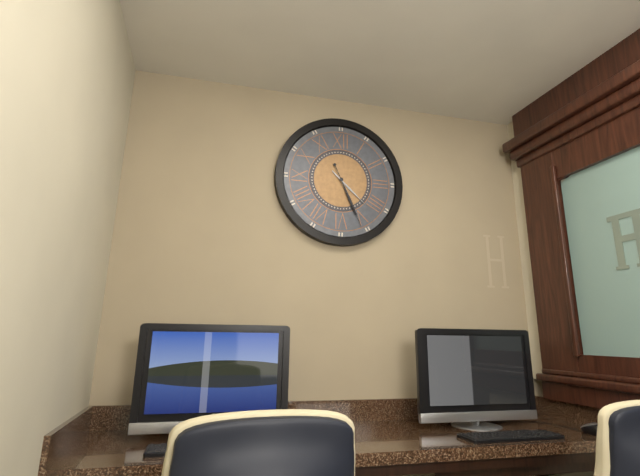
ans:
**4:26**
